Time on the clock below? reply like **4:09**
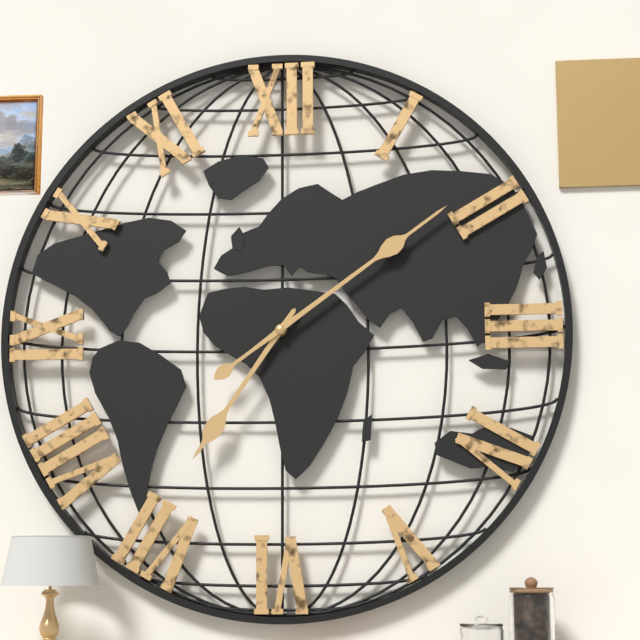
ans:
**7:09**
